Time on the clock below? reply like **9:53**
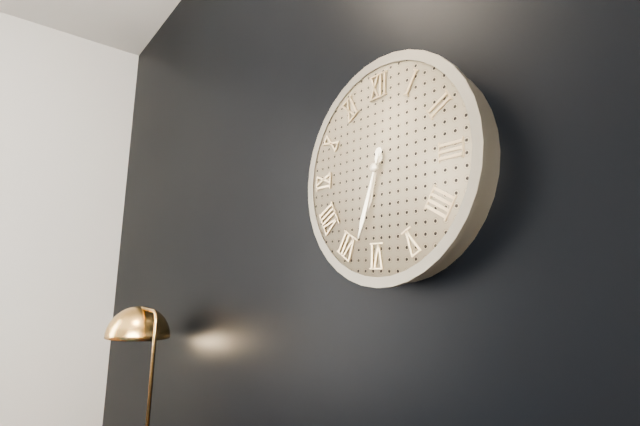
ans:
**6:33**
